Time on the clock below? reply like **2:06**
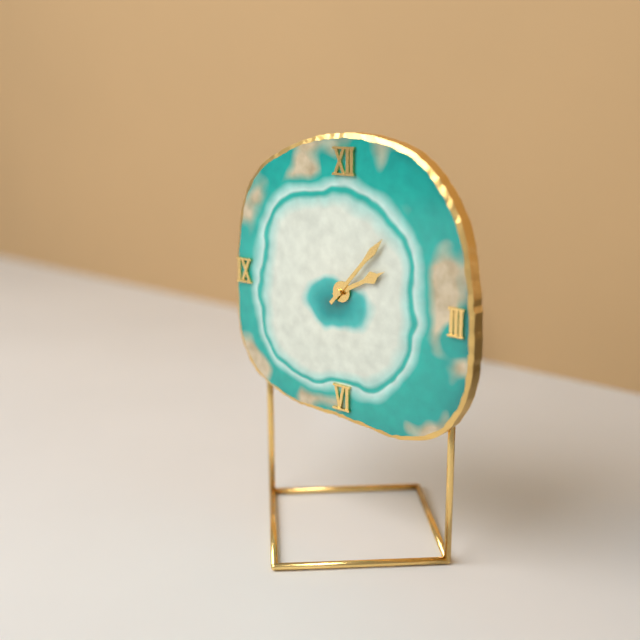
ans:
**2:07**
